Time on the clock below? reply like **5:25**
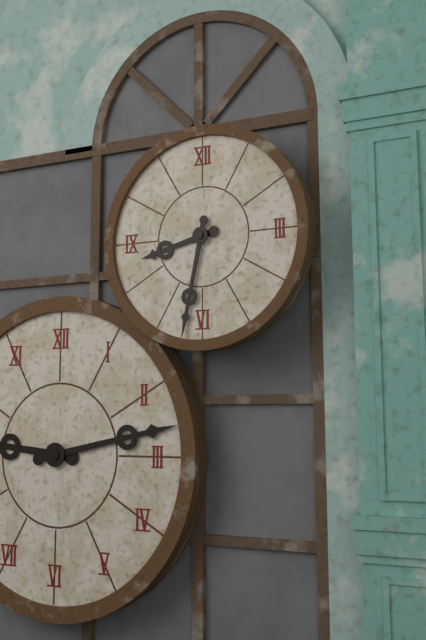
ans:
**8:32**
